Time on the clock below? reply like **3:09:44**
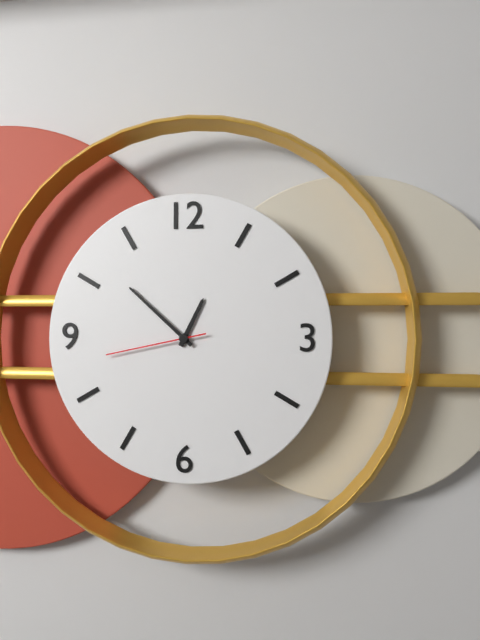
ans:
**12:52:43**
